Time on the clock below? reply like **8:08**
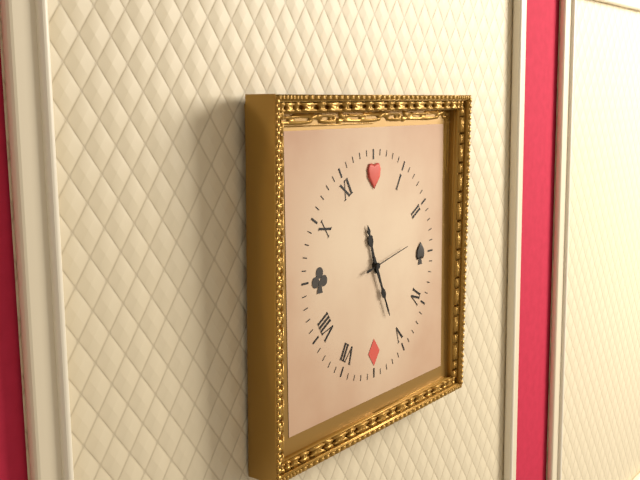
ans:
**11:26**
